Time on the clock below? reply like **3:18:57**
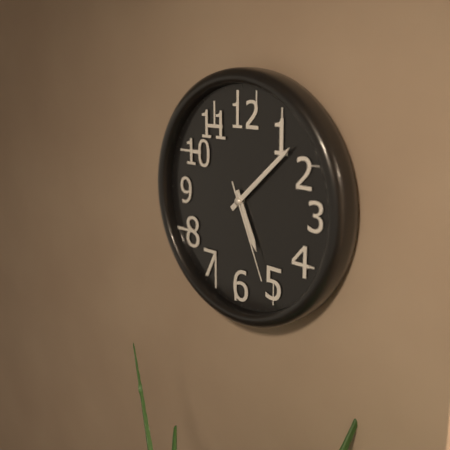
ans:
**5:08:26**
